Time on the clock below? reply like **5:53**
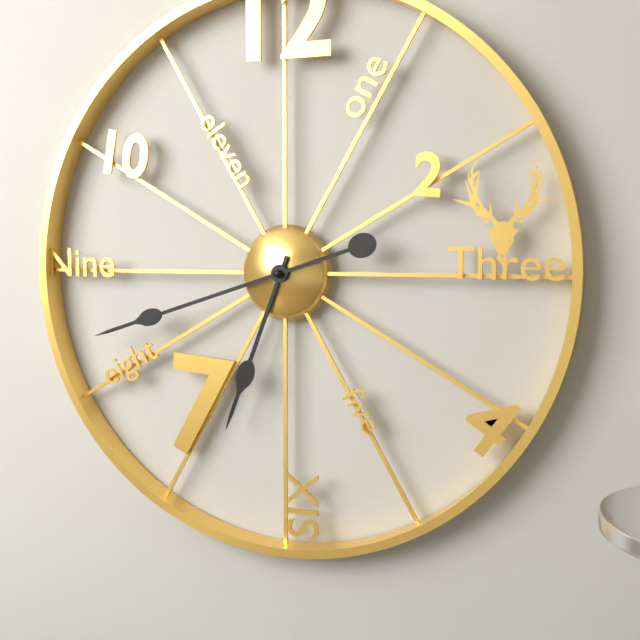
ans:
**6:42**
